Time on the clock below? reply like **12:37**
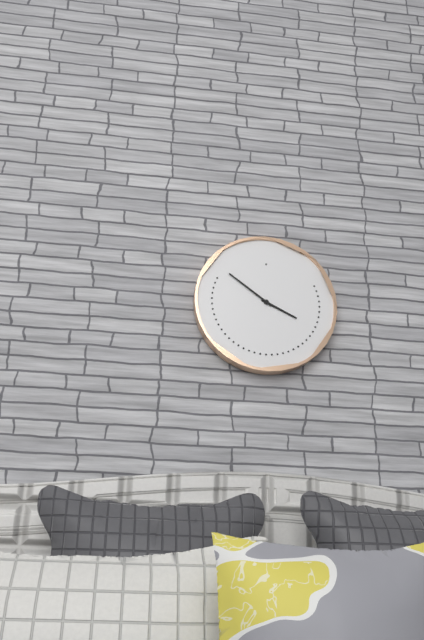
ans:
**3:51**
